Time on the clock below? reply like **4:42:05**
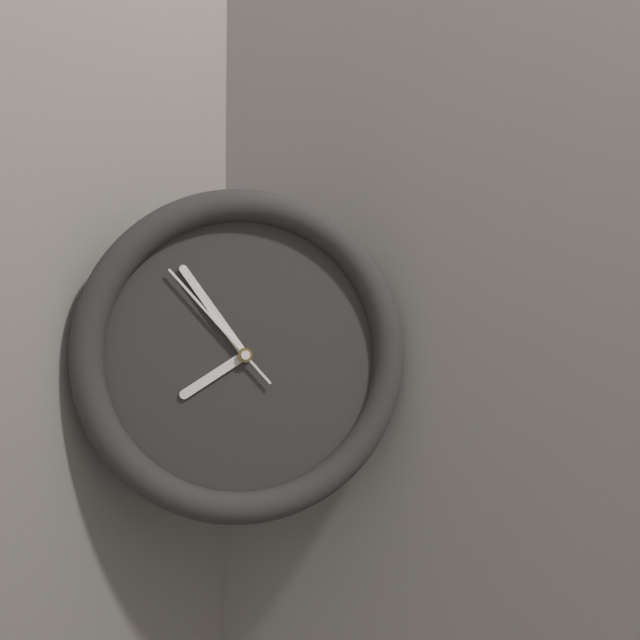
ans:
**7:54:53**
